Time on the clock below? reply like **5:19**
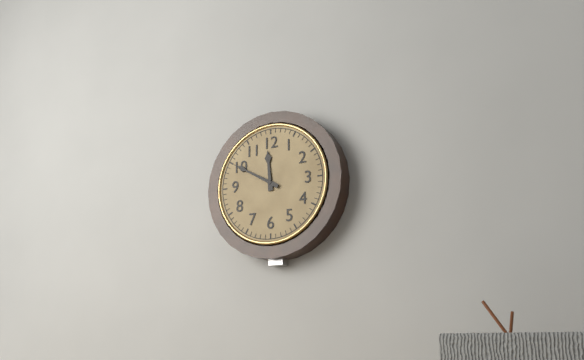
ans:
**11:50**
